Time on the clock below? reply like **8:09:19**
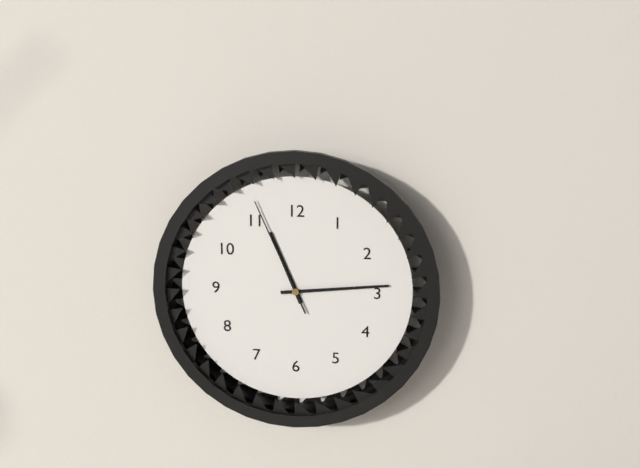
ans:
**11:14:56**
